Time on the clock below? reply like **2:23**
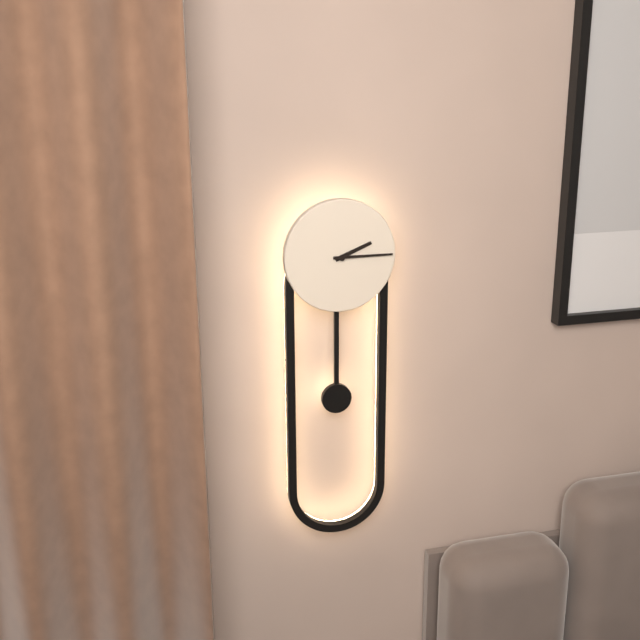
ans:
**2:15**
